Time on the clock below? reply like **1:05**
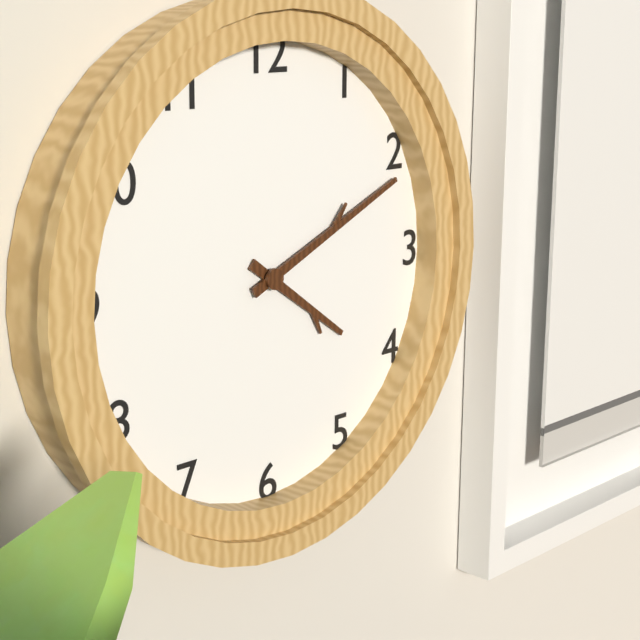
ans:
**4:11**
